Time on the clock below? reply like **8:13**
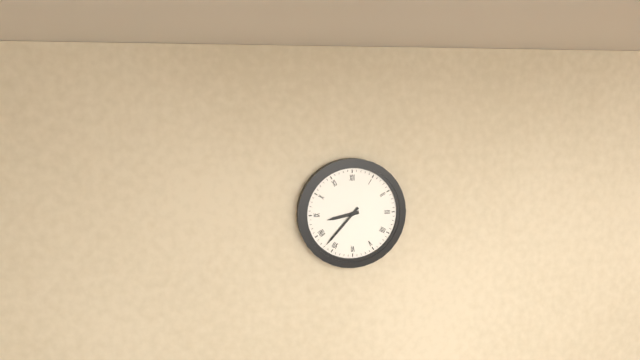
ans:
**8:37**
